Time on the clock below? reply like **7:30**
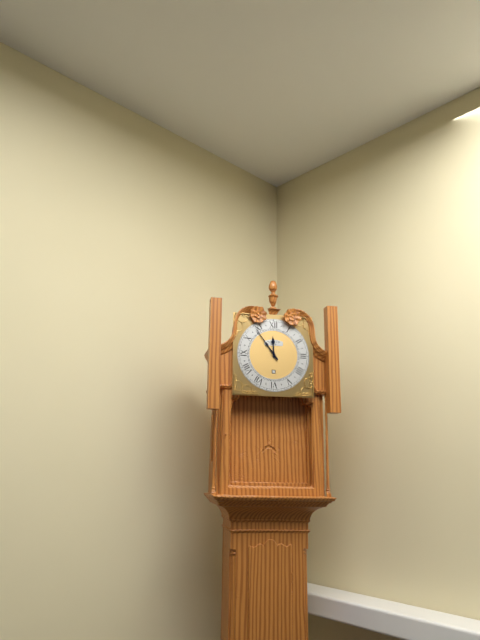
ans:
**11:54**
